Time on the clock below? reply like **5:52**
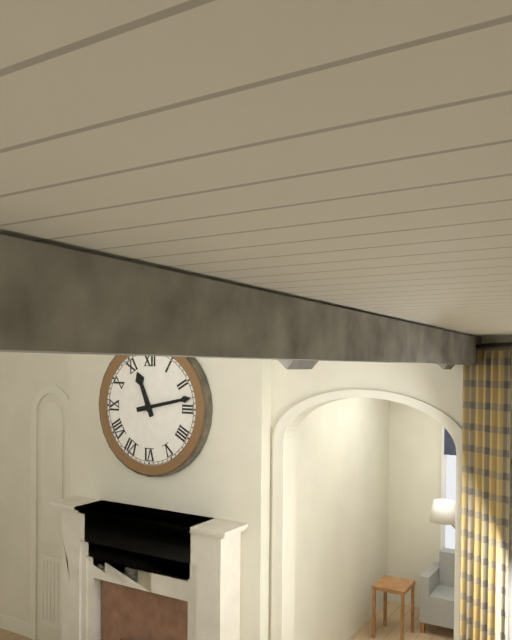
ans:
**11:13**
